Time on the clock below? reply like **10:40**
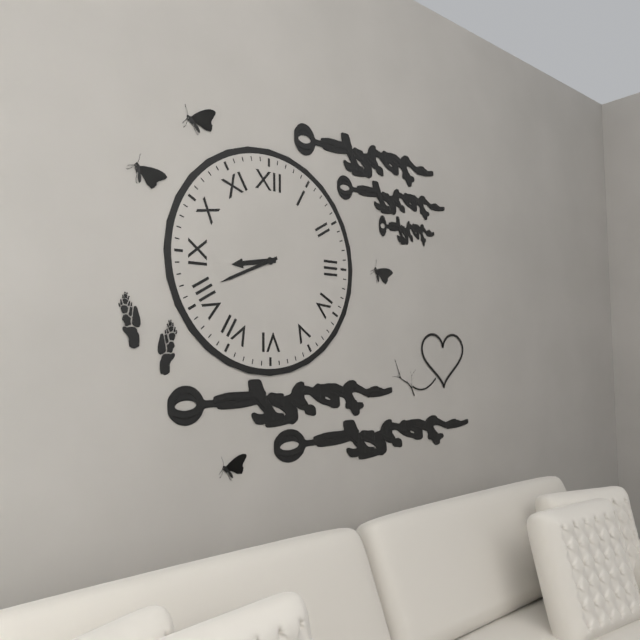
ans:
**8:41**
